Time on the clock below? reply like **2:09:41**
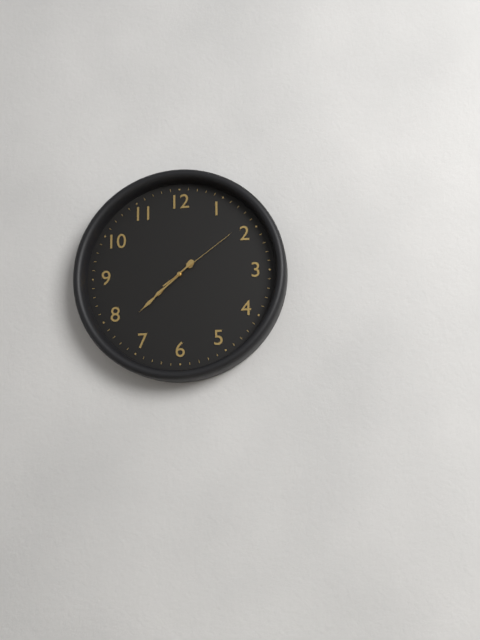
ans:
**7:38:09**
